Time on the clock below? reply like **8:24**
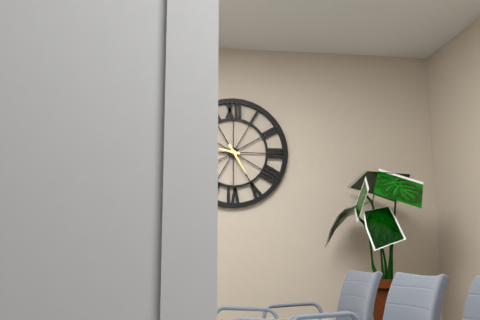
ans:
**9:25**
